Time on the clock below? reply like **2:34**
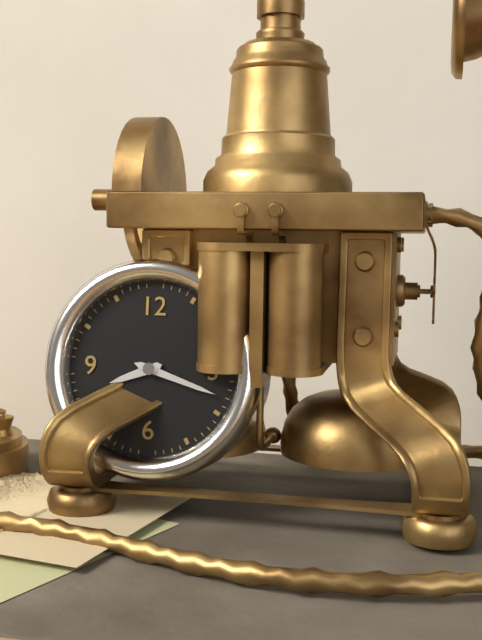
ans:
**8:18**
